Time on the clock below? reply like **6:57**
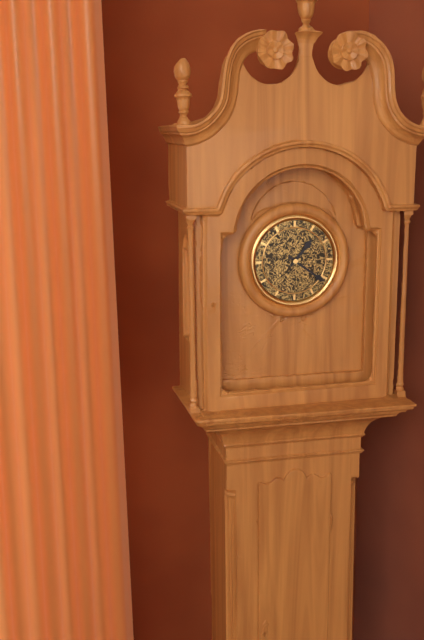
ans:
**1:21**
